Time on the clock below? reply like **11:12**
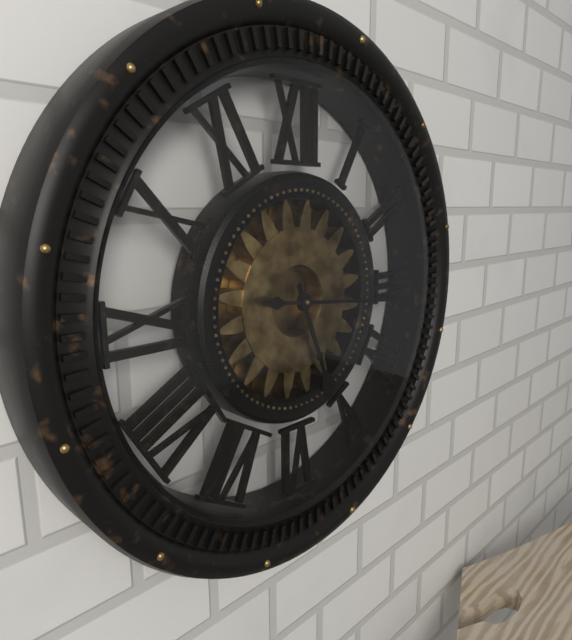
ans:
**5:16**
